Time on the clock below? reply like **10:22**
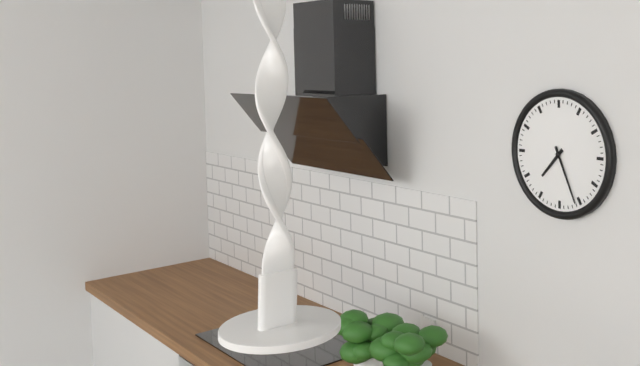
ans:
**7:26**
